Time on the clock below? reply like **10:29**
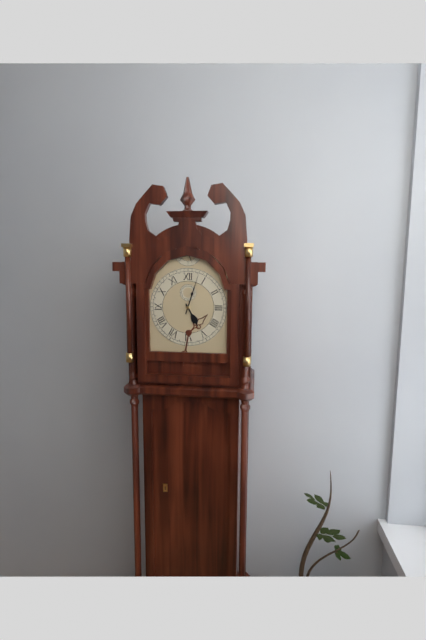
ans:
**5:03**
